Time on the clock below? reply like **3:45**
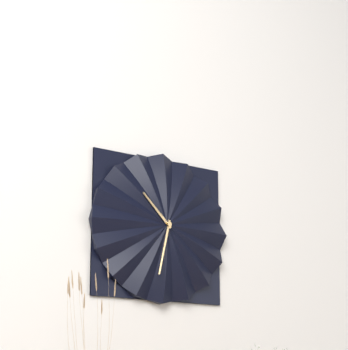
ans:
**10:32**
